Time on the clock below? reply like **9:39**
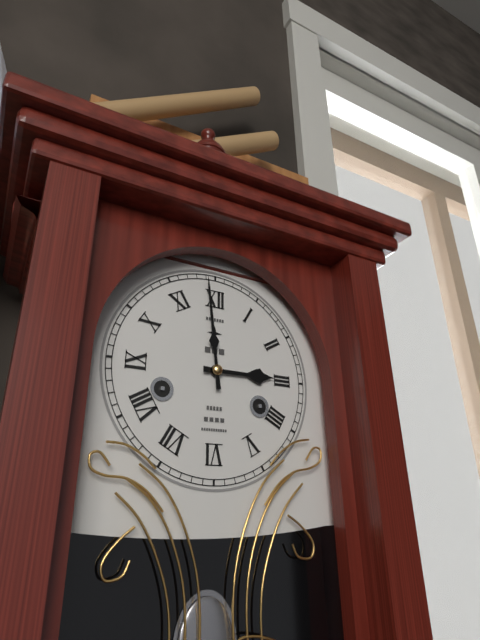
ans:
**2:59**
